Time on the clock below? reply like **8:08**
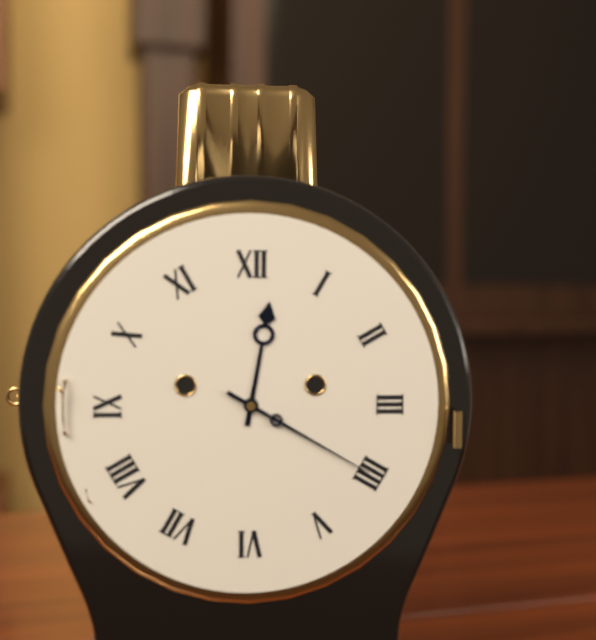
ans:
**12:20**
